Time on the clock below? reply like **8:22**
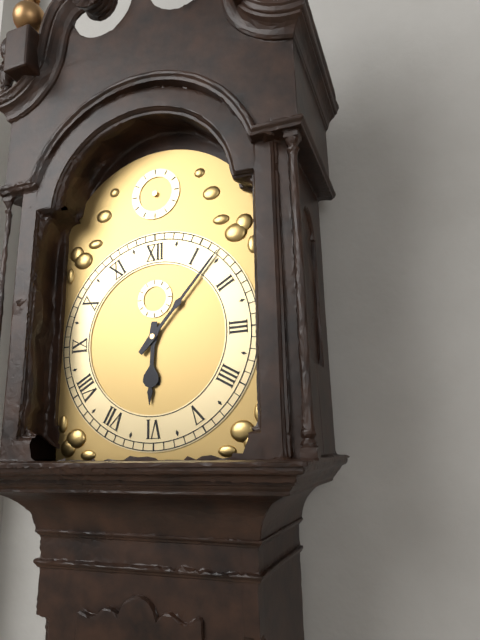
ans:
**6:07**
